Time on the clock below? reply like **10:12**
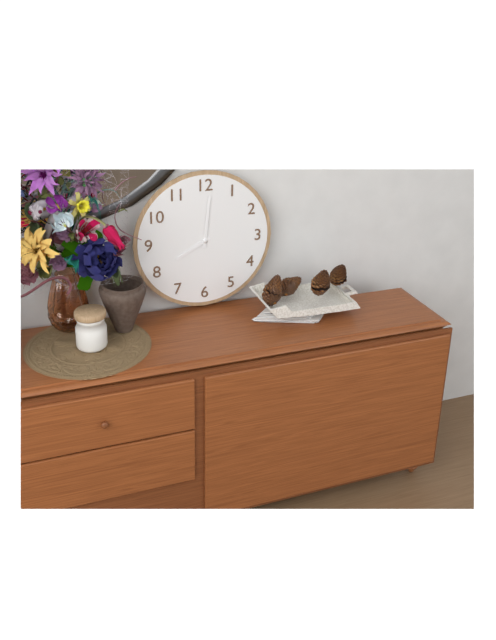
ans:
**8:01**
